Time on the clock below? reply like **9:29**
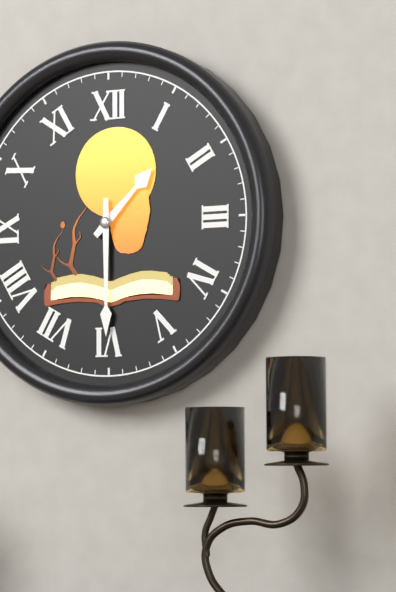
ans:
**1:30**
